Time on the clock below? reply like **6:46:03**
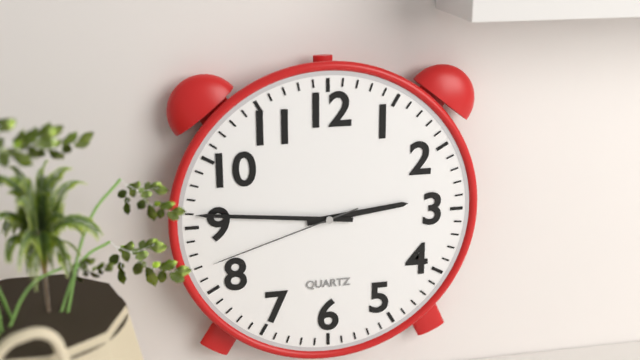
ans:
**2:46:42**
